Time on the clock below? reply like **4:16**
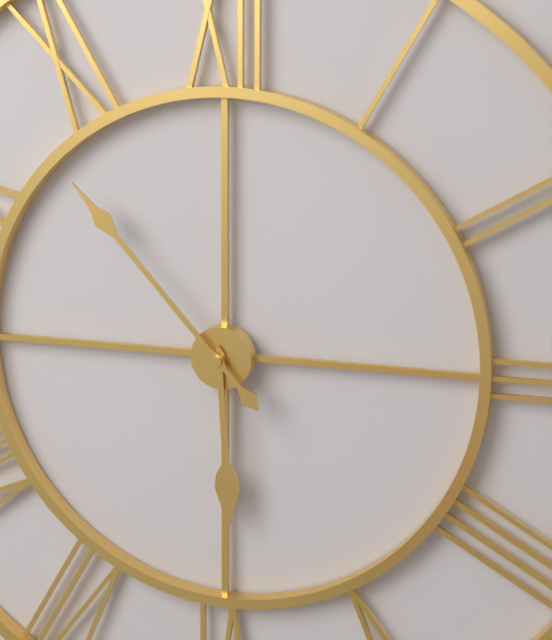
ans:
**5:53**
